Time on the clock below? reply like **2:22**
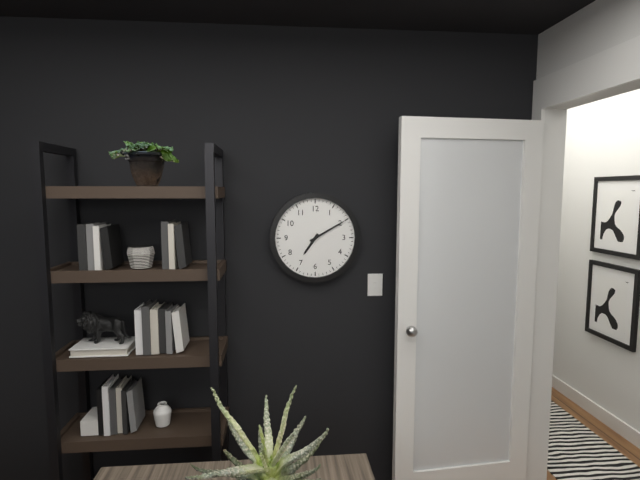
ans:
**7:10**
